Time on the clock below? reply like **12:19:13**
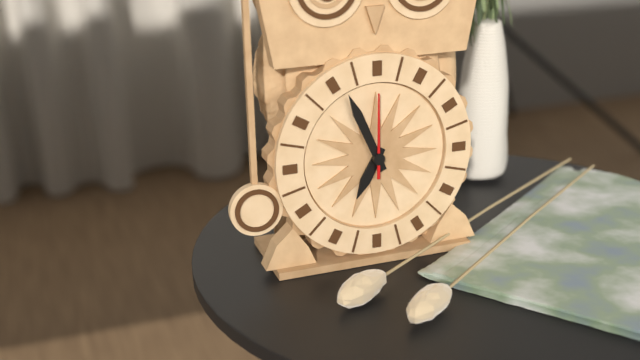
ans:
**6:56:00**
